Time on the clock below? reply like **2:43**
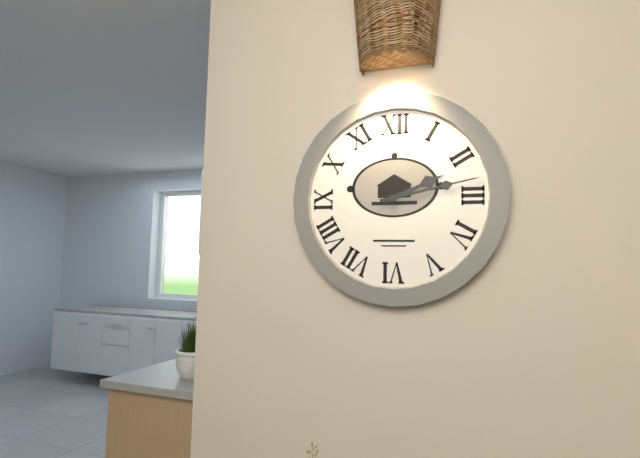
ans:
**2:13**
